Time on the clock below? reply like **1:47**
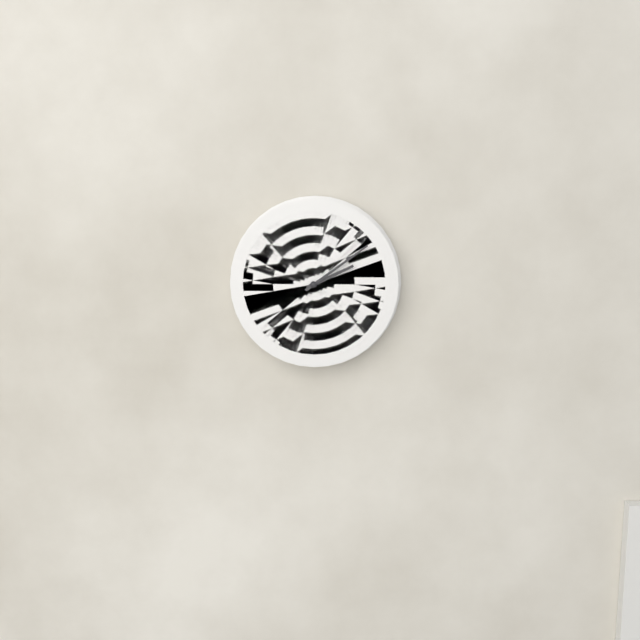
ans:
**2:09**
